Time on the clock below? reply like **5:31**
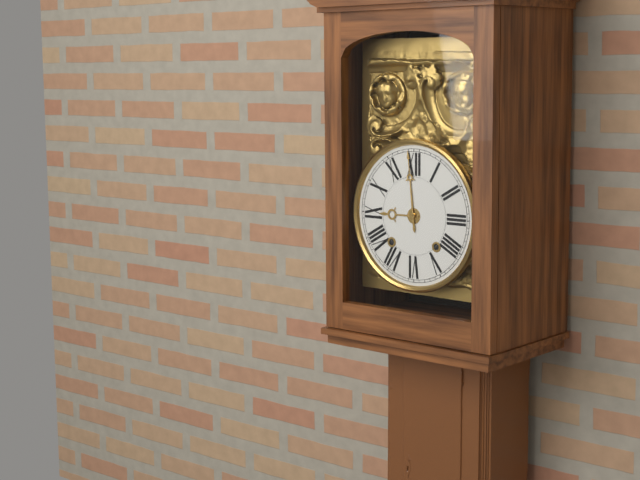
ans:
**8:59**
